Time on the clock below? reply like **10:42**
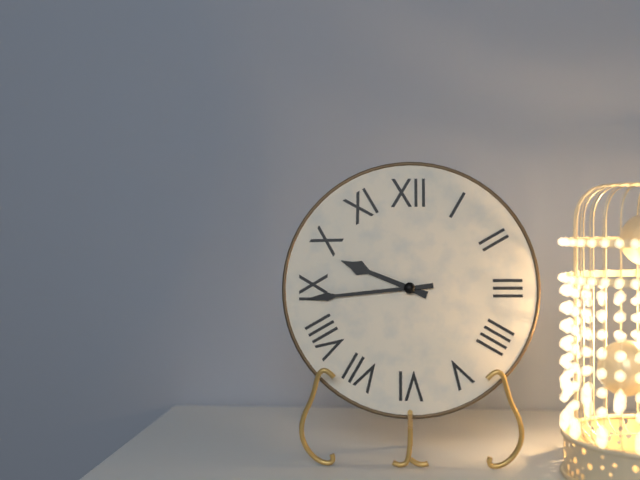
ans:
**9:44**
